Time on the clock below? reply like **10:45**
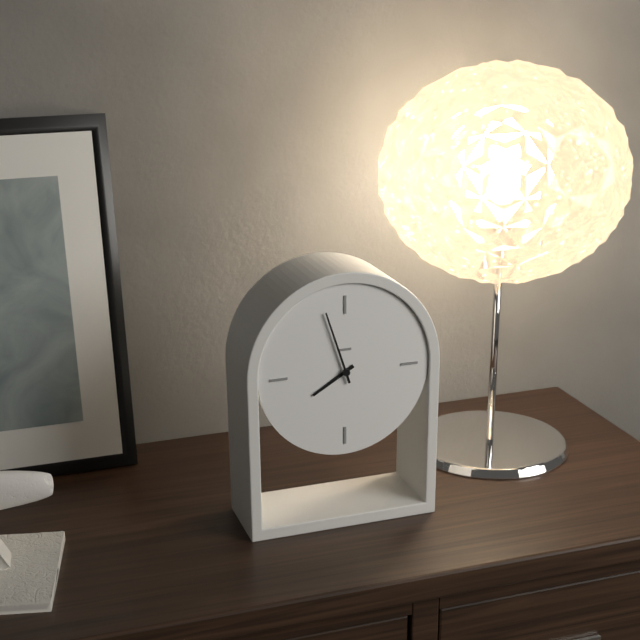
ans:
**7:57**
